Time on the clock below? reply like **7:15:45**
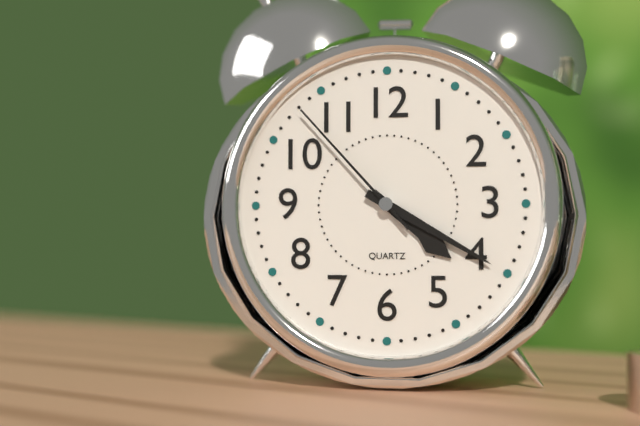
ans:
**4:20:53**
